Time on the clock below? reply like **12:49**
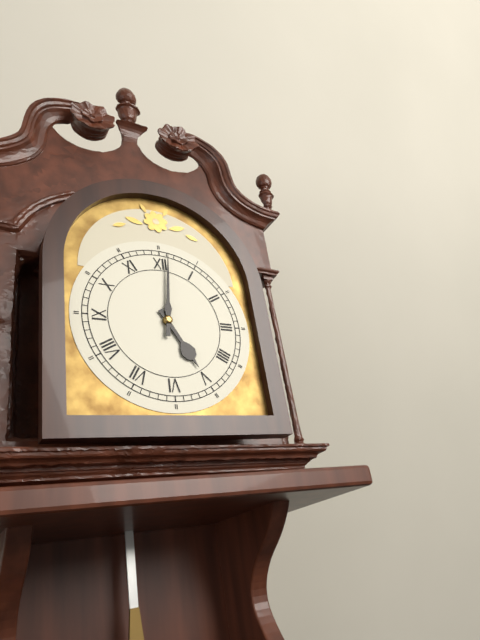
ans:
**5:01**
